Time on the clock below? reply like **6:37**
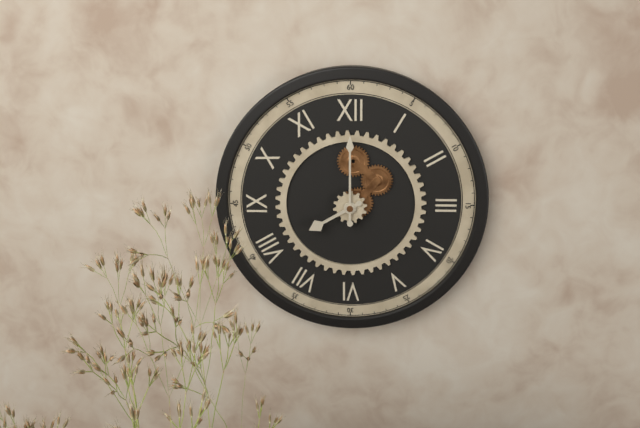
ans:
**8:00**
